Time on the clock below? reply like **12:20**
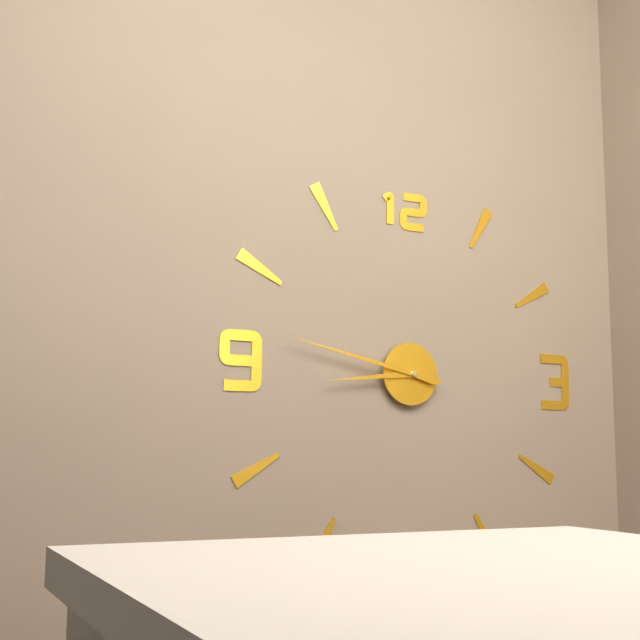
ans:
**8:47**
